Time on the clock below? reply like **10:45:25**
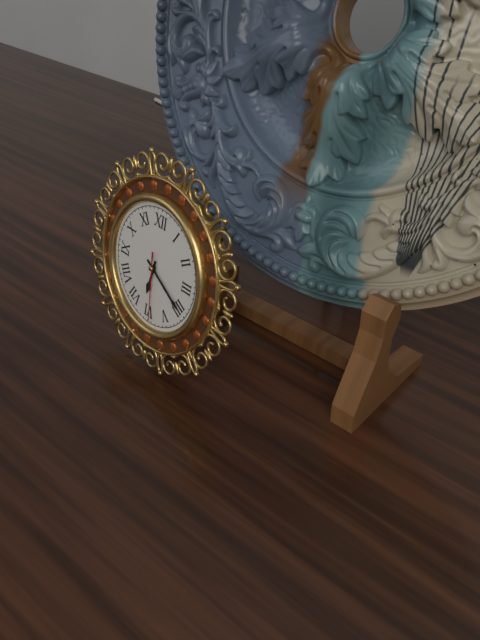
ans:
**6:20:29**
